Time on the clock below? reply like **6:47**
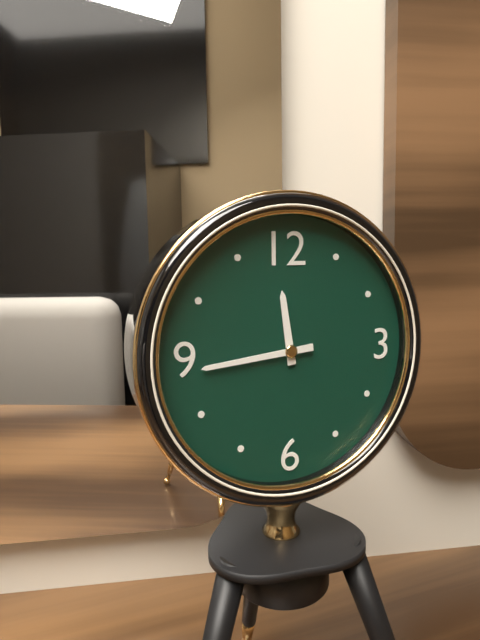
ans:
**11:44**
